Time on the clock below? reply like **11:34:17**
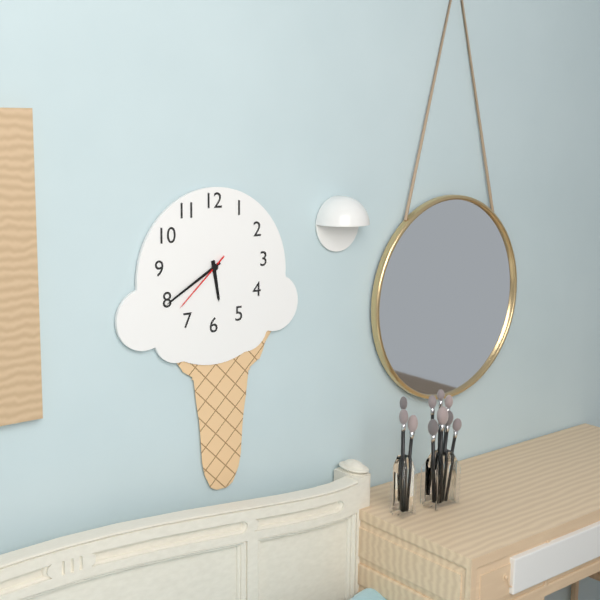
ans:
**5:40:38**
